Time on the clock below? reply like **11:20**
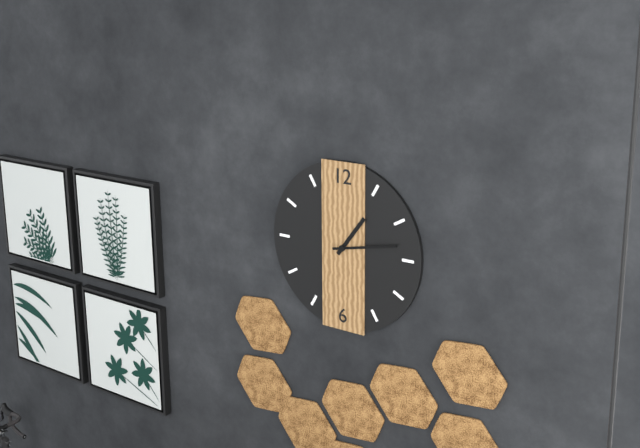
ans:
**1:13**
